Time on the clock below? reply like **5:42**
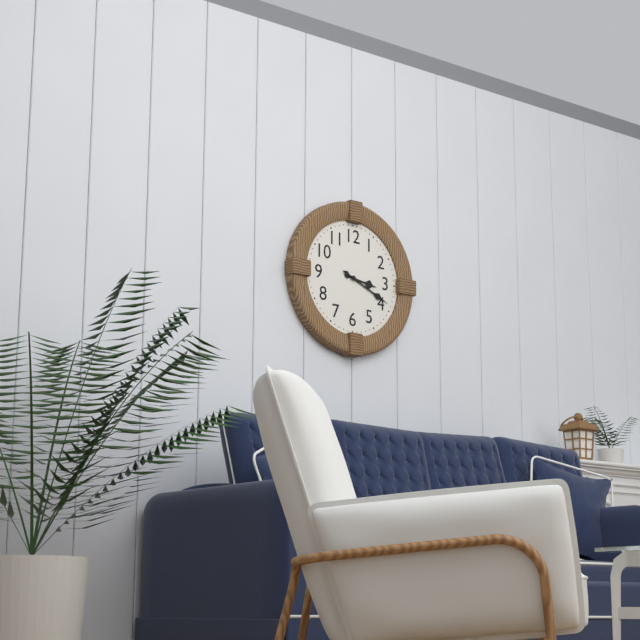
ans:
**3:19**
